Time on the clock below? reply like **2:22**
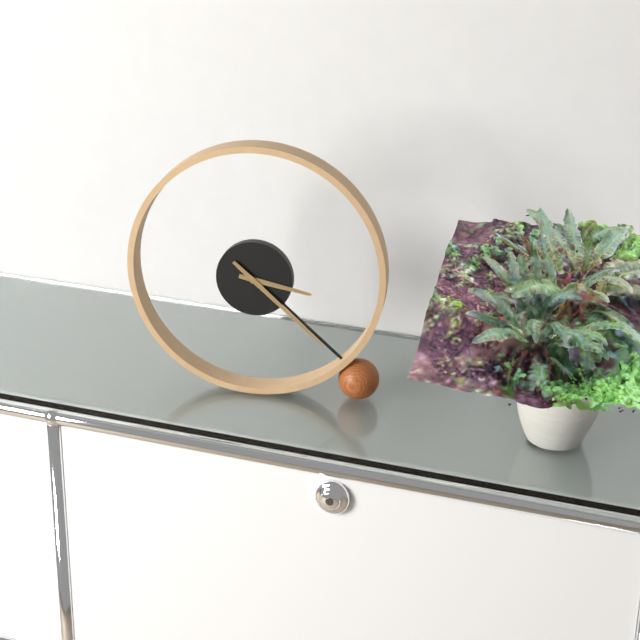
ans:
**3:22**
